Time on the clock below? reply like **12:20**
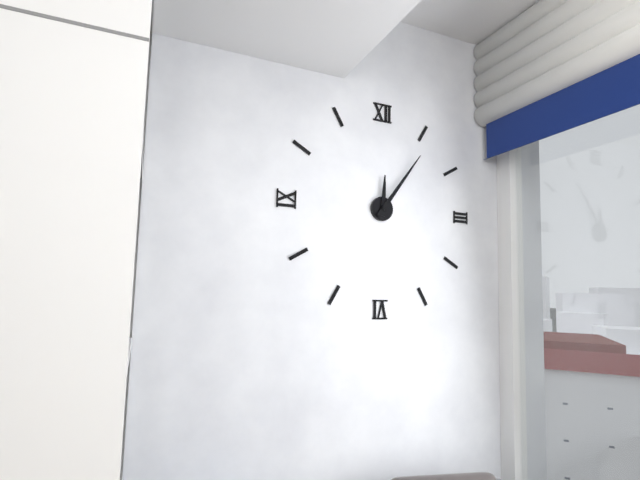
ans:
**12:06**
